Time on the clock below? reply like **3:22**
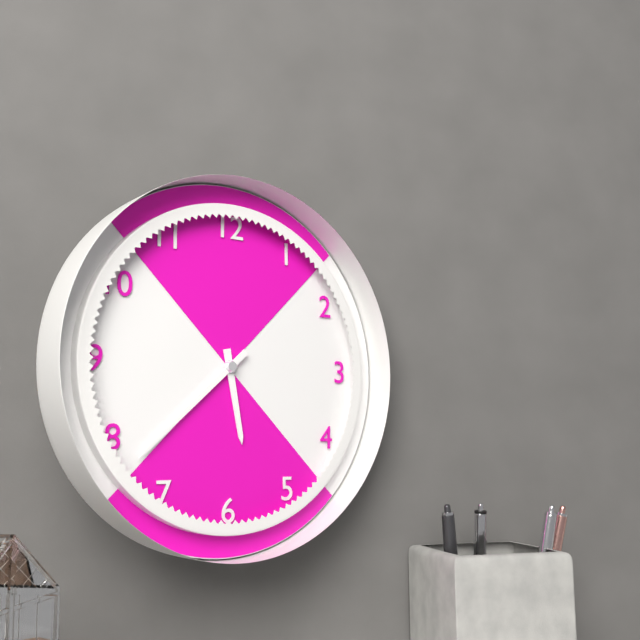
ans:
**5:38**
